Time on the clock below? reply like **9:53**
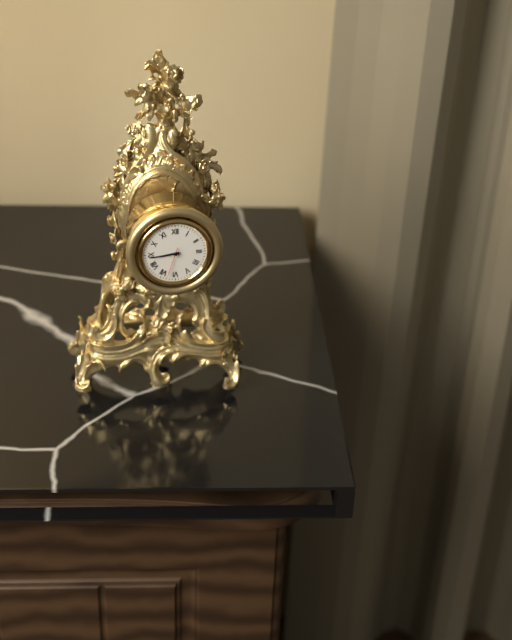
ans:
**8:44**
